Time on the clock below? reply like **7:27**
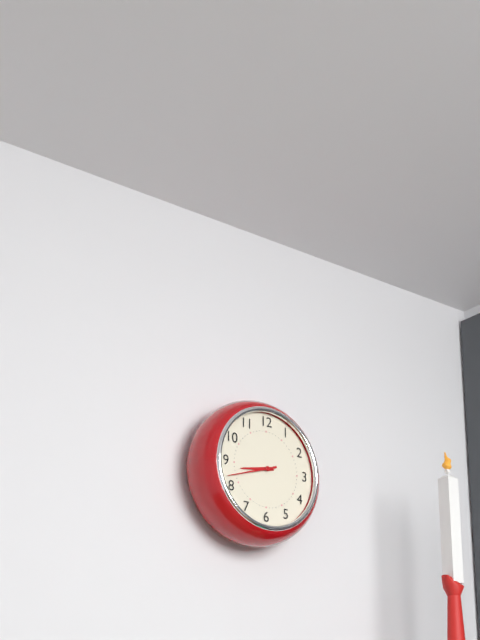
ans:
**8:42**
